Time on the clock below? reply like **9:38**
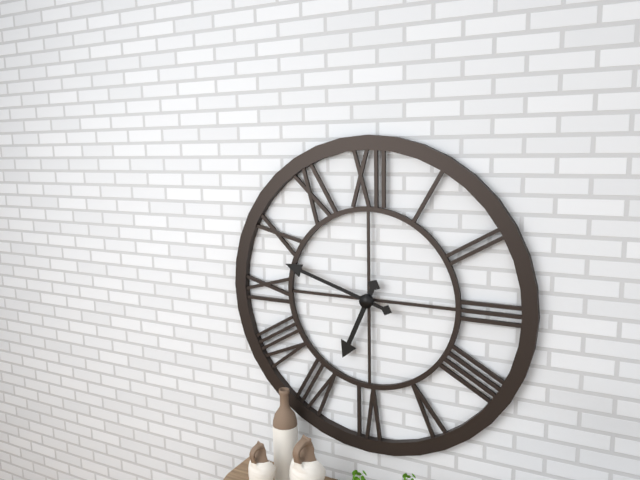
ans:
**6:48**
